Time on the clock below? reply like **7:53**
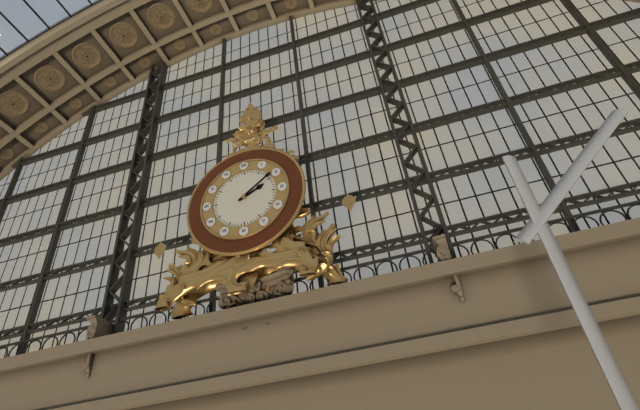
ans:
**2:09**
